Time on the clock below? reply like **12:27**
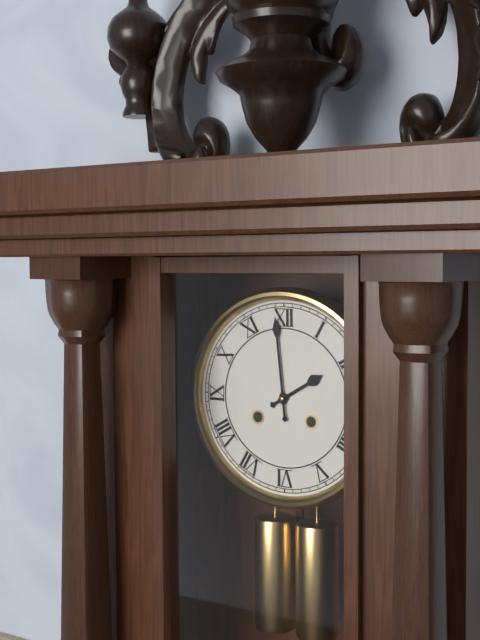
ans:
**1:59**
